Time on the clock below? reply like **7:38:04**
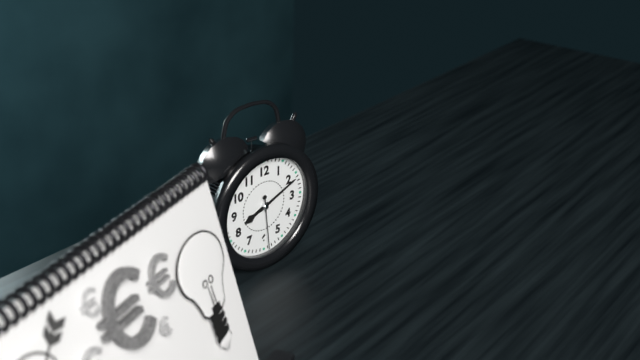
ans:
**8:11:29**
